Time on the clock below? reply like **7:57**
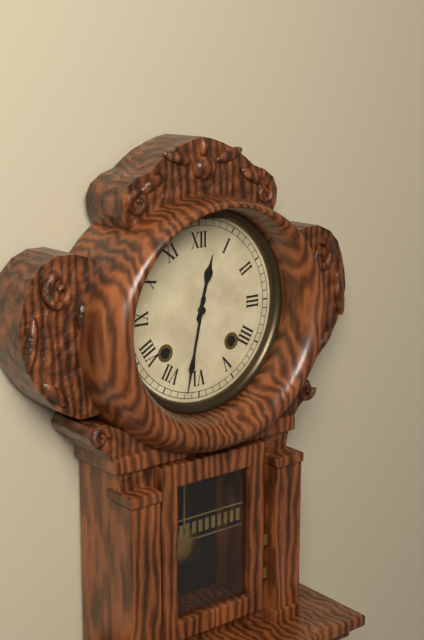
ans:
**12:32**
